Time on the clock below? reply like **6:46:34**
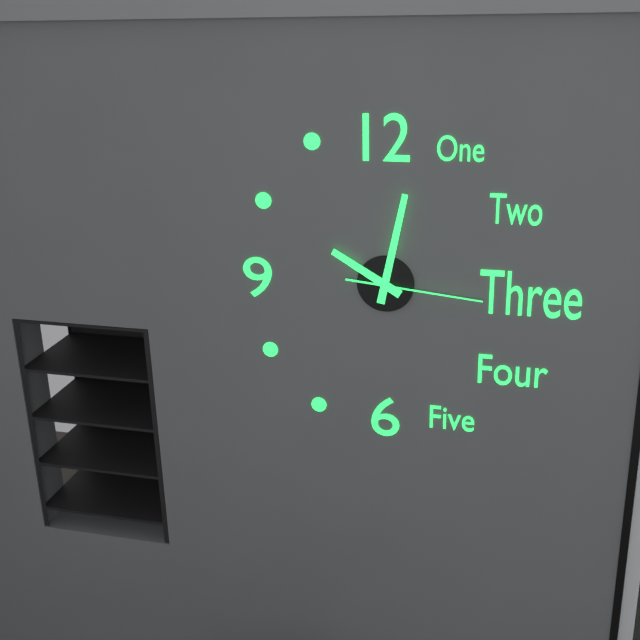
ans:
**10:02:16**
